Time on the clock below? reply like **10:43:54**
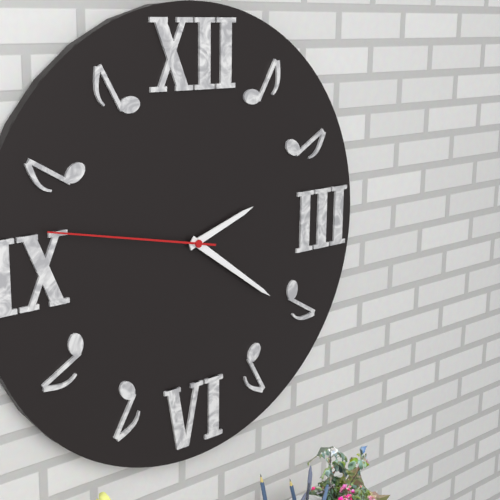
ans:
**2:21:47**
